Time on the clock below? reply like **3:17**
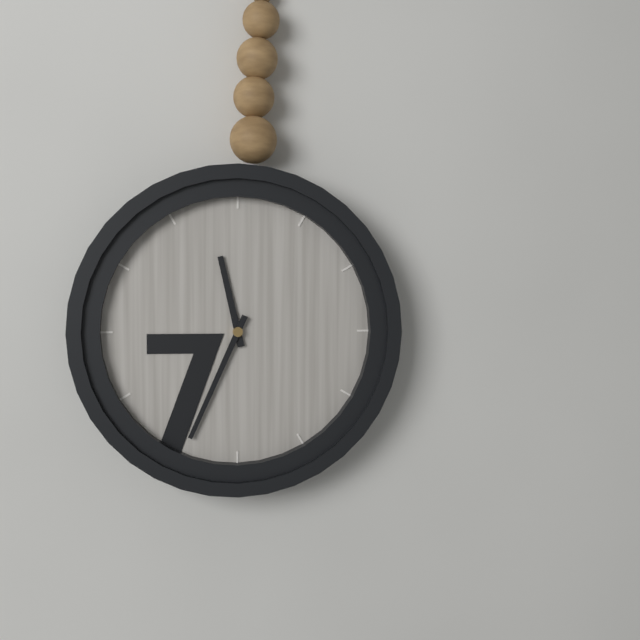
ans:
**11:34**
